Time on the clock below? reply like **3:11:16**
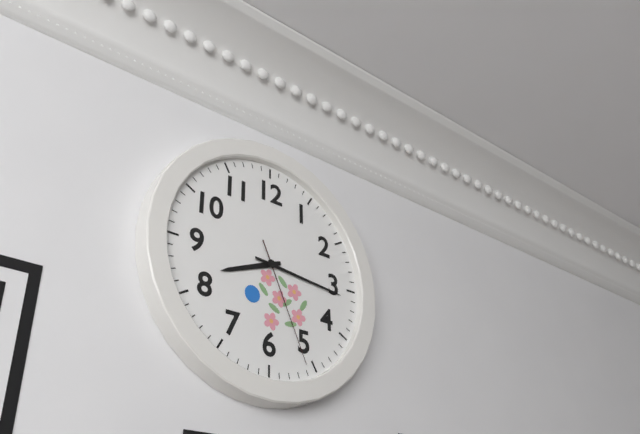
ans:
**8:16:26**
